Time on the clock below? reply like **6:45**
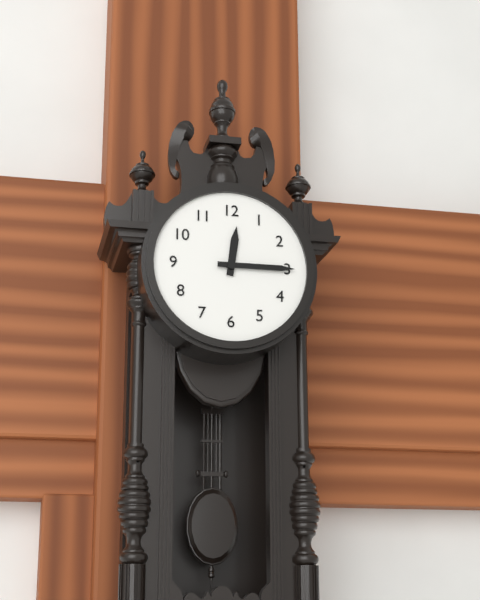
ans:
**12:15**
